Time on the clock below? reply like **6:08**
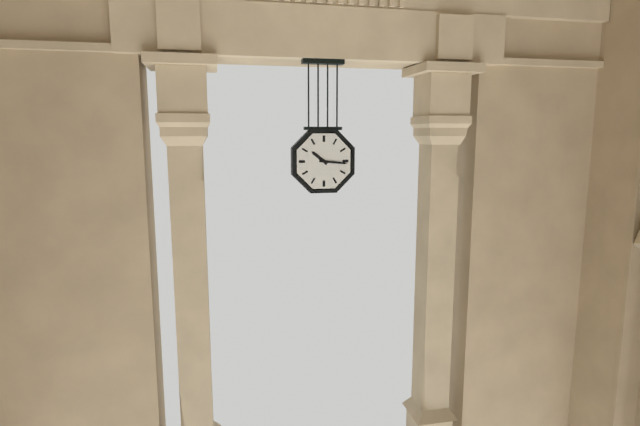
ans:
**10:16**
